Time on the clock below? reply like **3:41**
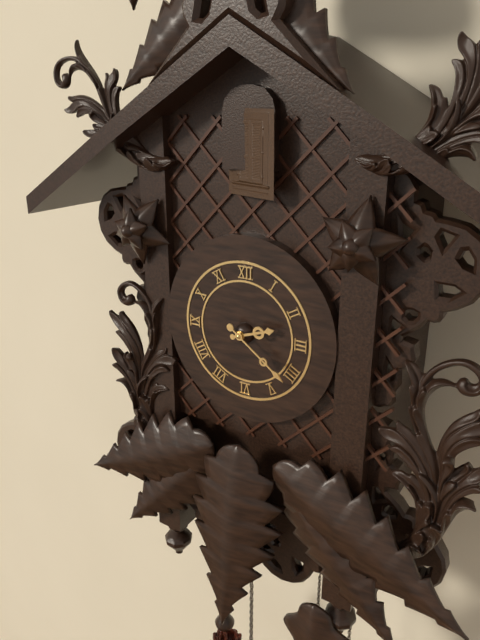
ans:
**2:21**
